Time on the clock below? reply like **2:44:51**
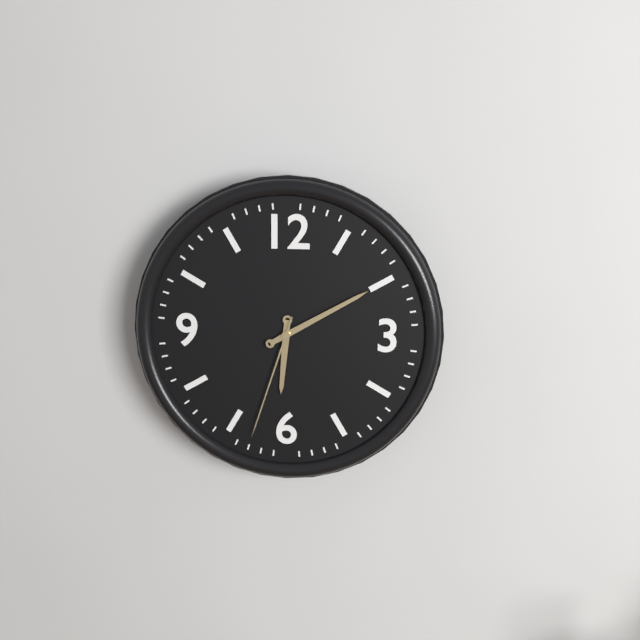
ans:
**6:10:33**
